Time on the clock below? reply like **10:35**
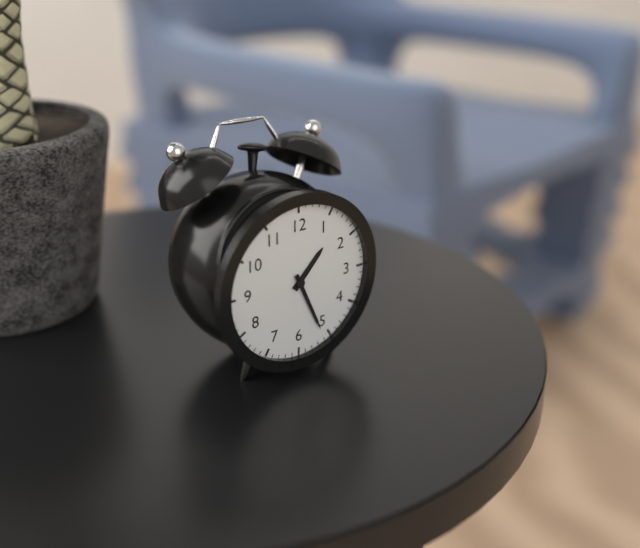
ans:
**1:26**
